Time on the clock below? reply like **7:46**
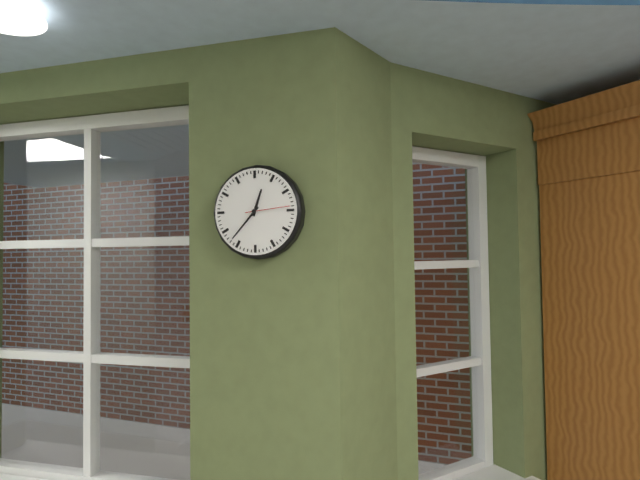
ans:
**12:37**
